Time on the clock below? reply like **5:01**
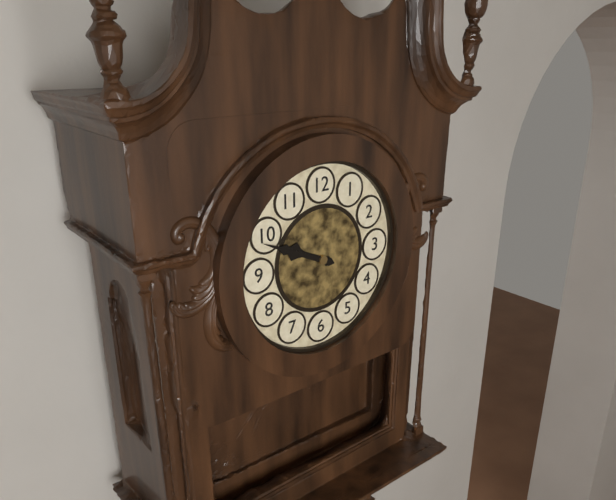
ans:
**9:49**
